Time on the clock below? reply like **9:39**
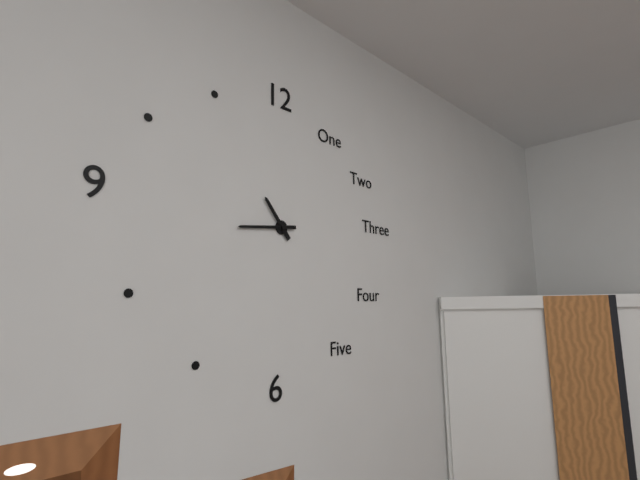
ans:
**10:44**
